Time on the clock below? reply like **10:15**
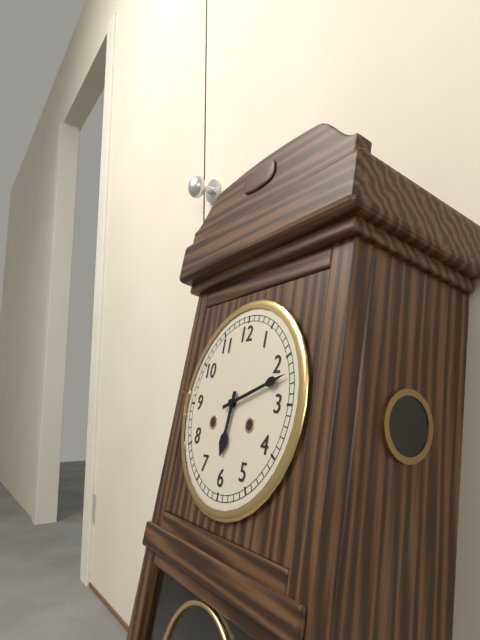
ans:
**6:12**
